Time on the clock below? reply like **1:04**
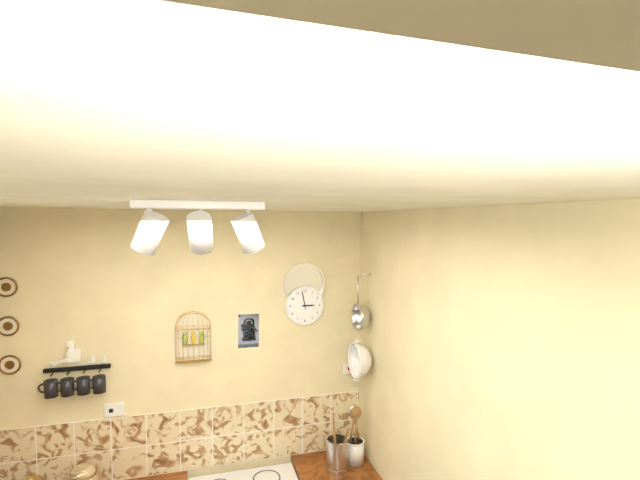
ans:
**2:58**
